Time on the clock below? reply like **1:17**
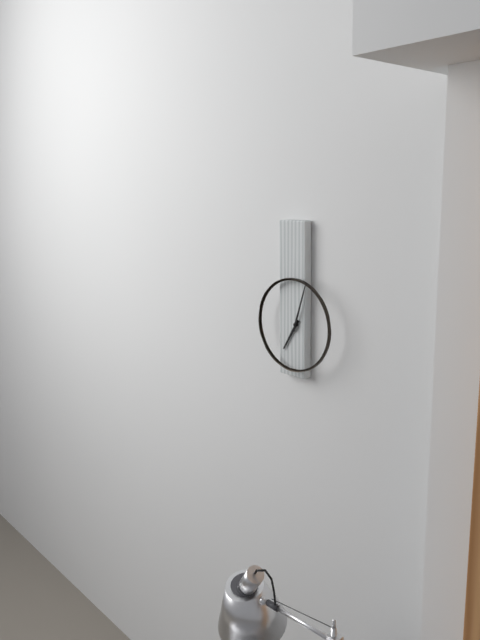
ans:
**7:03**
